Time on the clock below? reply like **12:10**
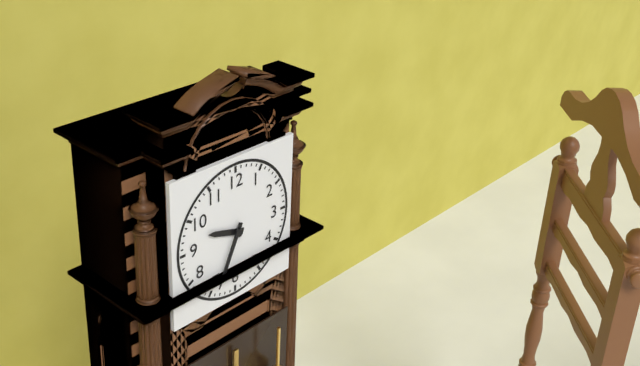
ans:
**9:34**
